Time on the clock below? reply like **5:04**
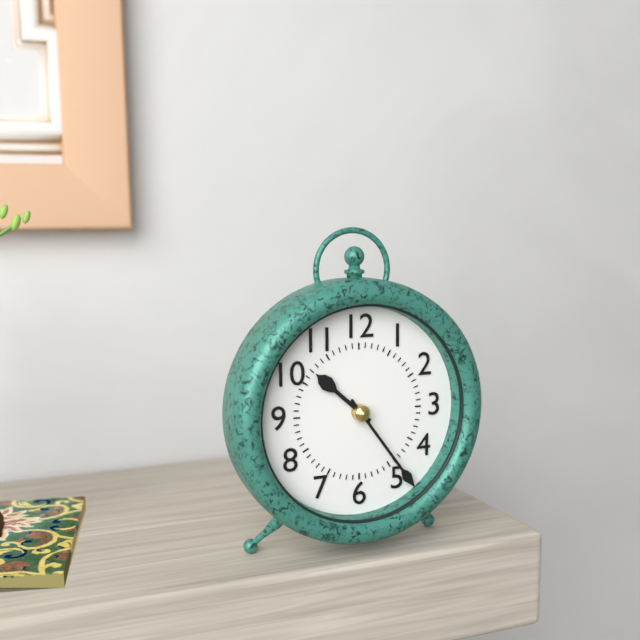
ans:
**10:24**
